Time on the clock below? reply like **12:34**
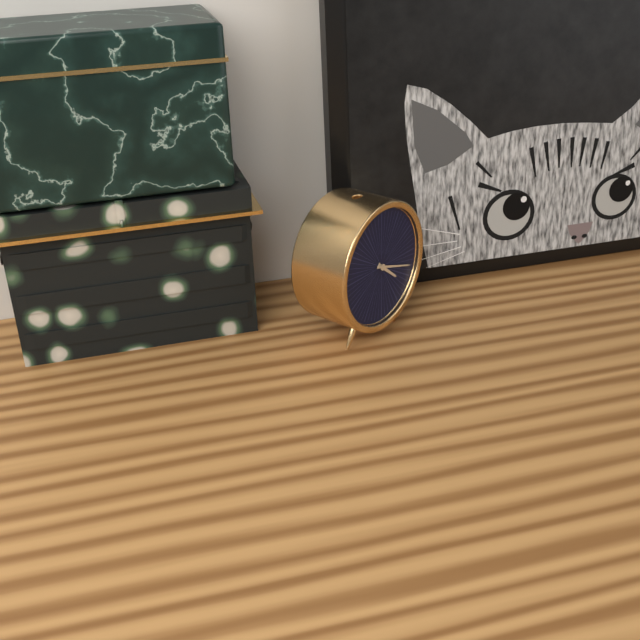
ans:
**4:18**
